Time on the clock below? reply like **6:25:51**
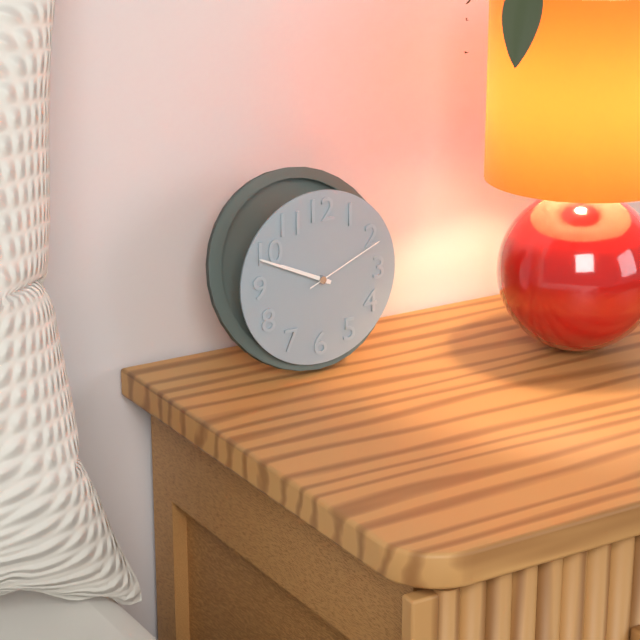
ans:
**9:49:11**
